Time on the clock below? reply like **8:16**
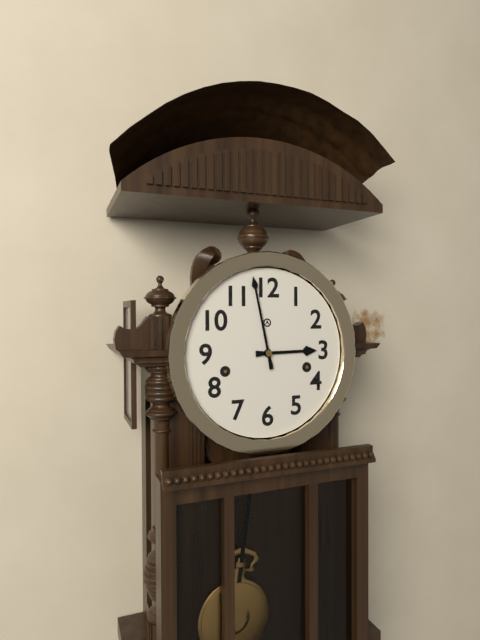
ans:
**2:58**
